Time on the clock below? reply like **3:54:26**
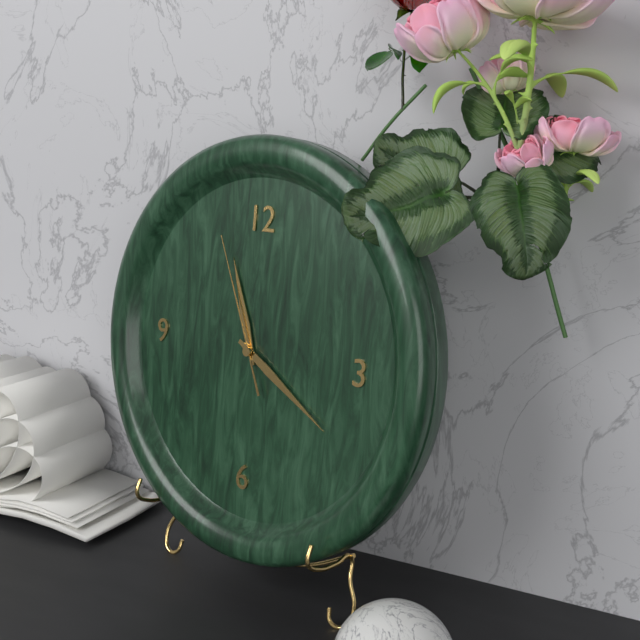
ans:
**11:20:56**
